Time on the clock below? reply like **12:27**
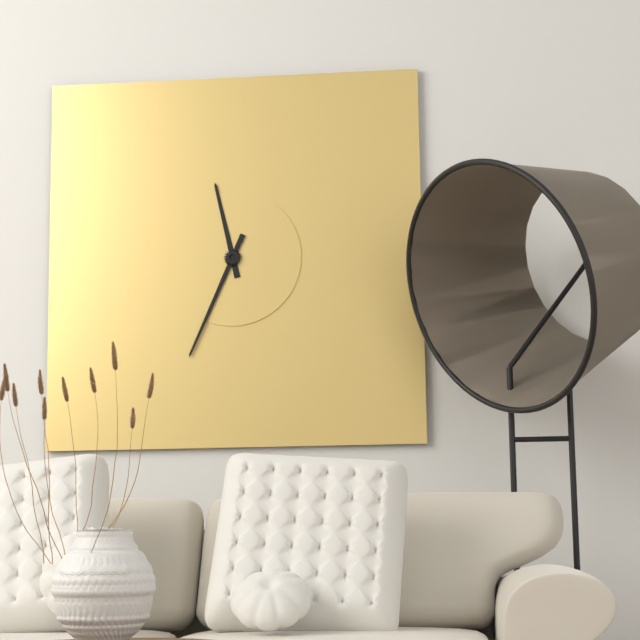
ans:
**11:34**
